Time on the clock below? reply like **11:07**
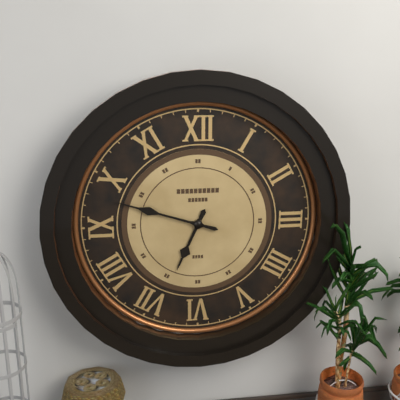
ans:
**6:48**
